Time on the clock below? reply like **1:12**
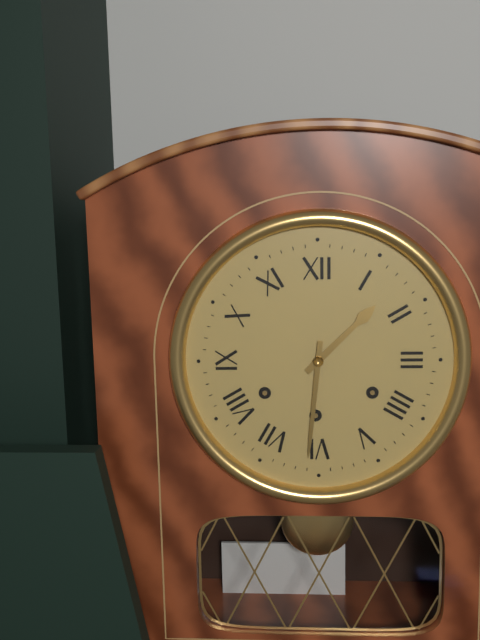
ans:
**1:31**
